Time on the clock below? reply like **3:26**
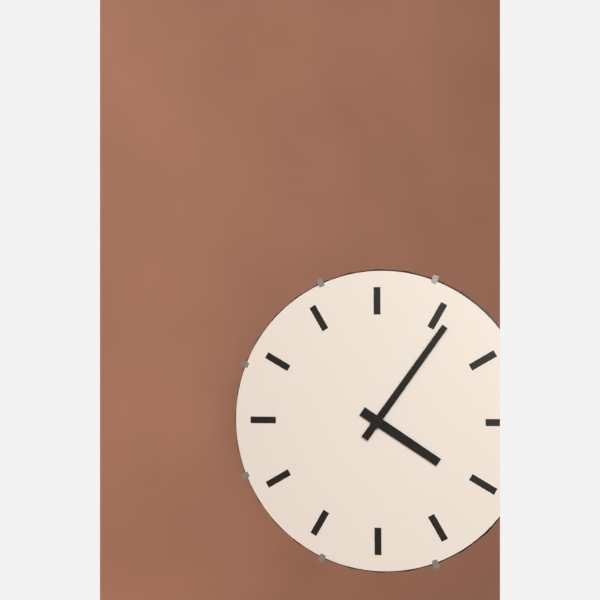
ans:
**4:06**
